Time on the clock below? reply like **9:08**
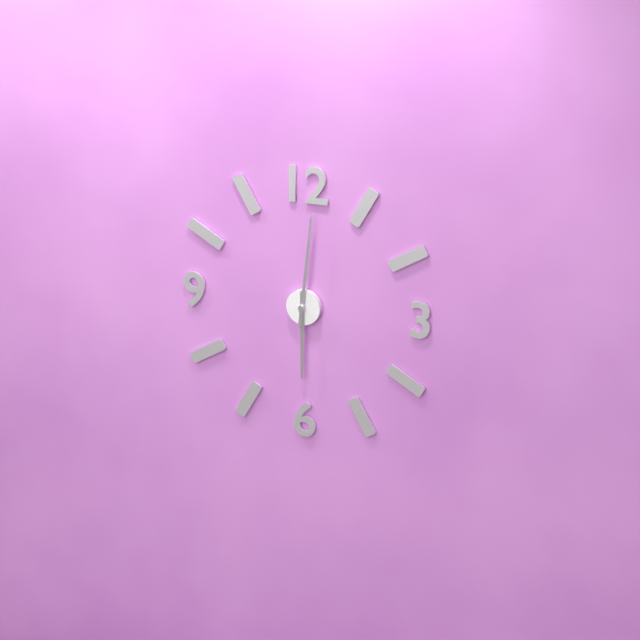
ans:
**6:01**
